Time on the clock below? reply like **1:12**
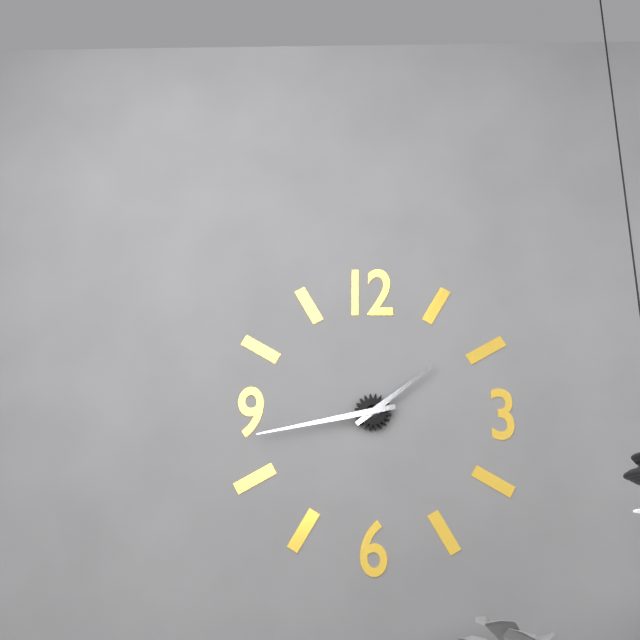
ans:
**1:43**
